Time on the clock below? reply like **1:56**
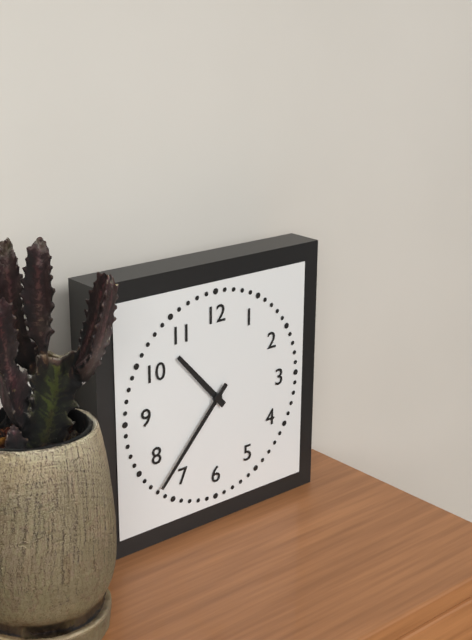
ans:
**10:37**
